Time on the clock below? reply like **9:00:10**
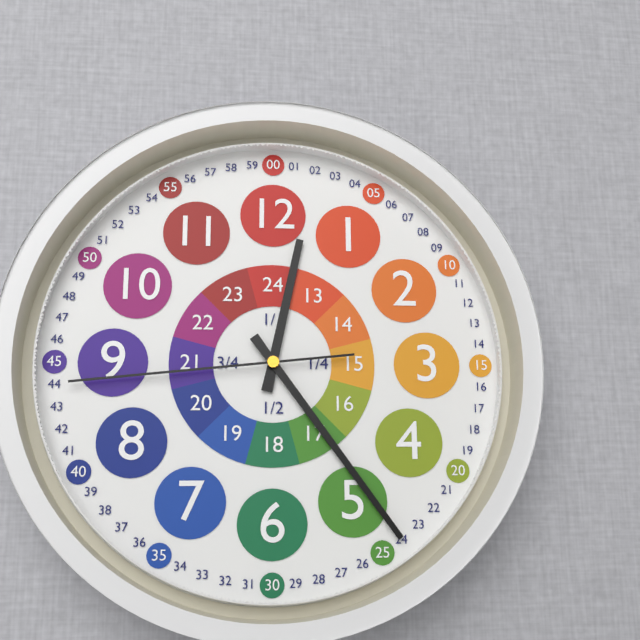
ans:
**12:24:44**
